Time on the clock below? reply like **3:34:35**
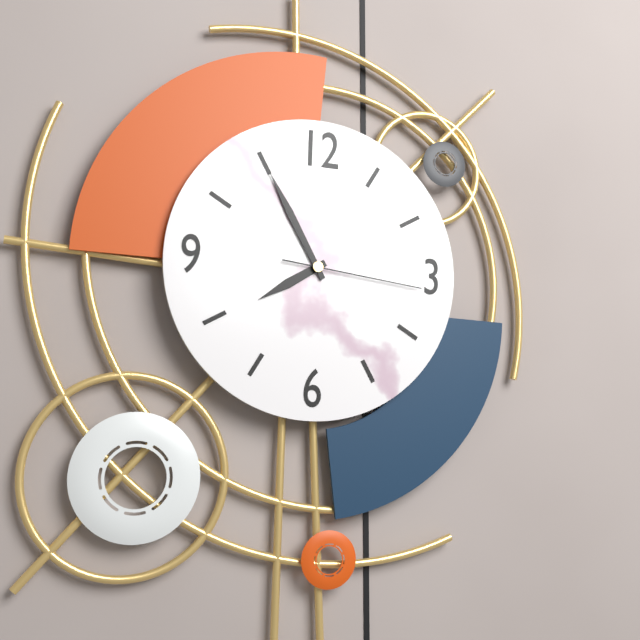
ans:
**7:55:16**
